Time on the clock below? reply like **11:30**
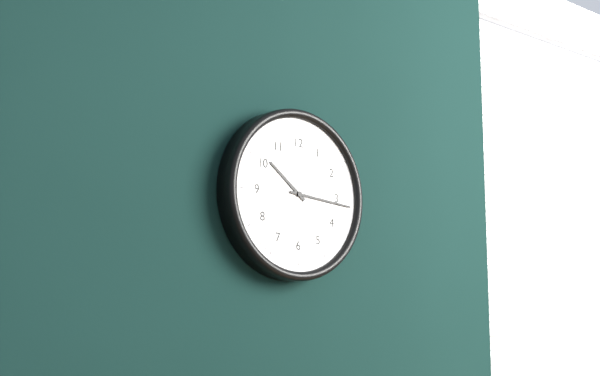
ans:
**10:16**
